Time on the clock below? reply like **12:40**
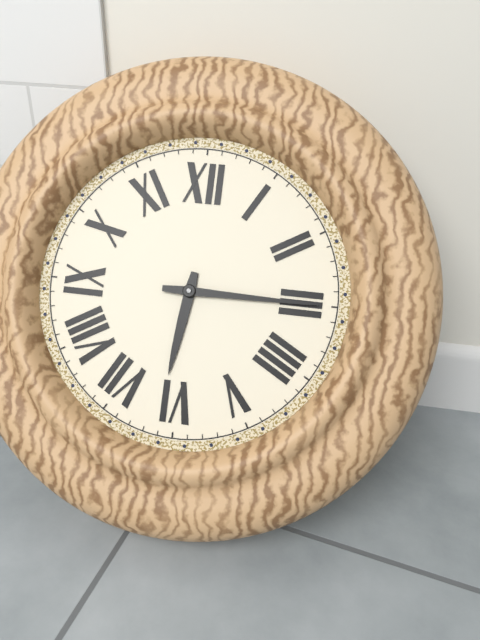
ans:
**6:15**
